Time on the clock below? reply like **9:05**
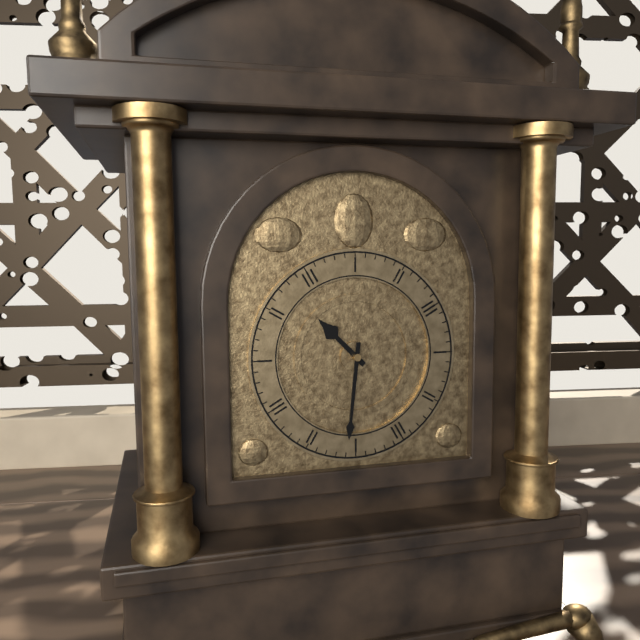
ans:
**10:31**
